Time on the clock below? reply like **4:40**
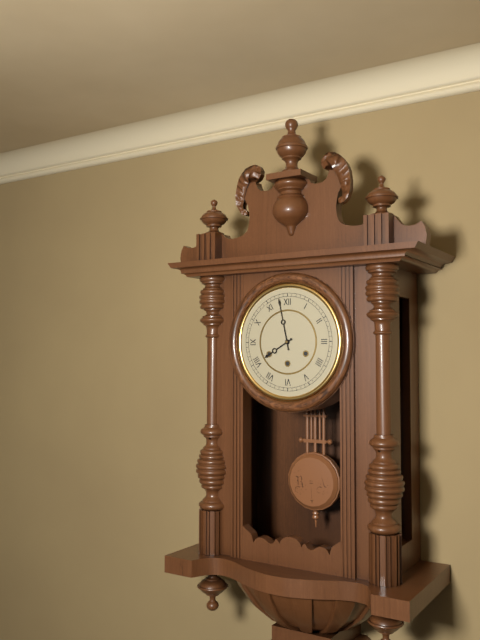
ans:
**7:58**
